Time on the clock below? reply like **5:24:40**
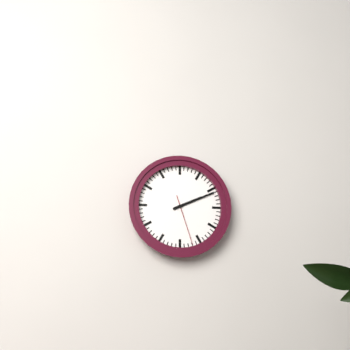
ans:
**2:11:27**
